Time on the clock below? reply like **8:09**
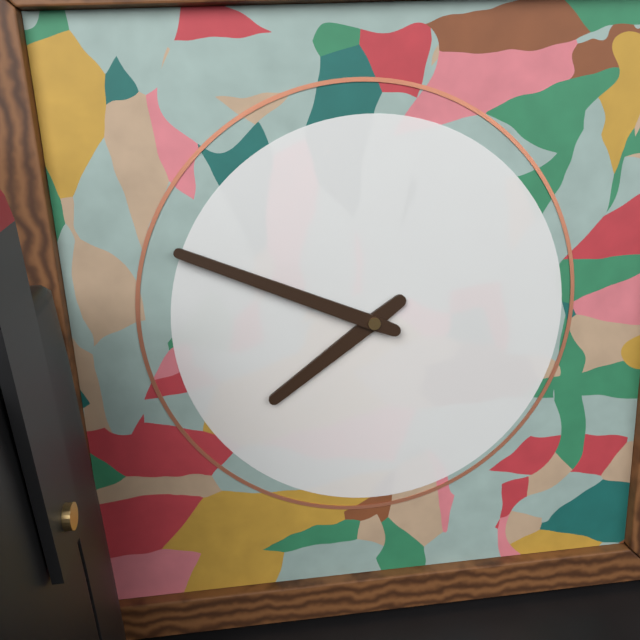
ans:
**7:49**
